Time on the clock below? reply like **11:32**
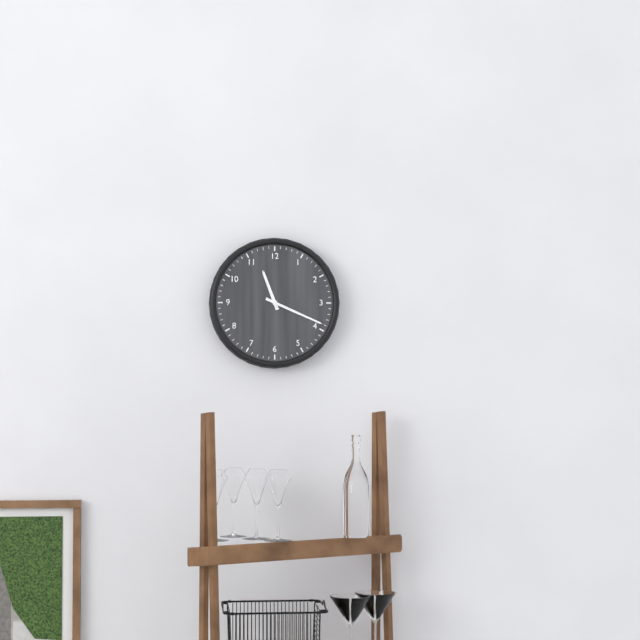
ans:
**11:19**
